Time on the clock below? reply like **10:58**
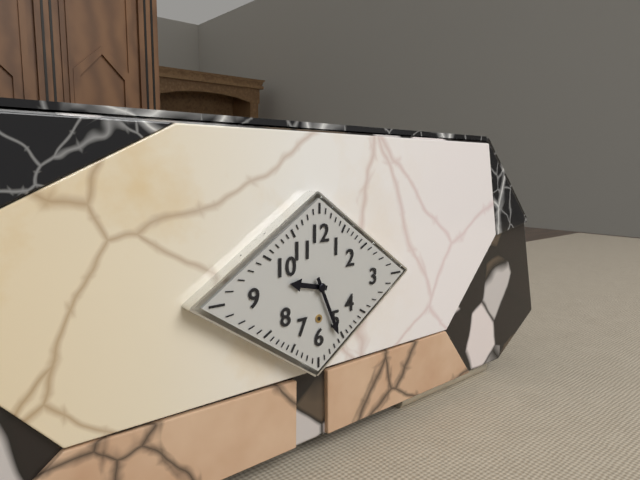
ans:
**9:26**
